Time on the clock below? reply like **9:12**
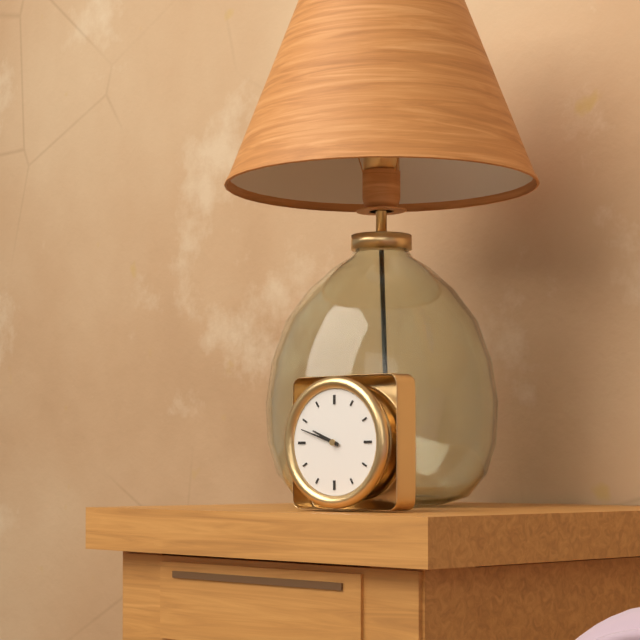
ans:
**9:48**
